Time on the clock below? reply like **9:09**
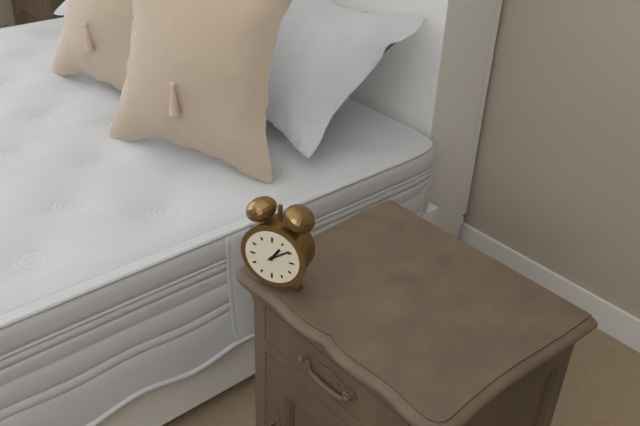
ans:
**1:09**
